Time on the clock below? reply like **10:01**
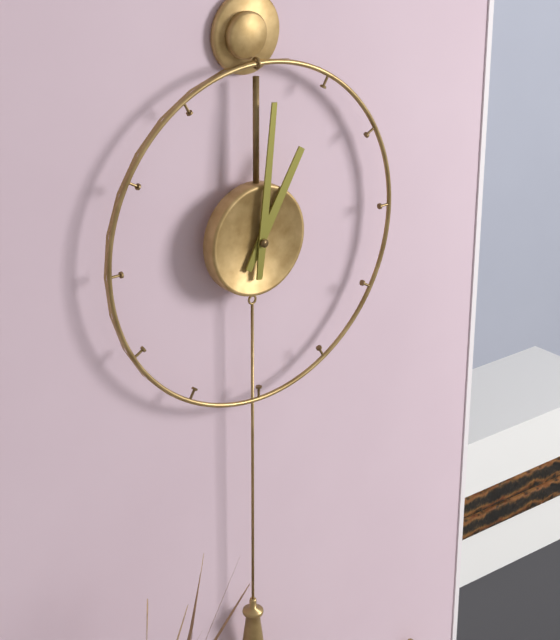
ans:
**1:01**
